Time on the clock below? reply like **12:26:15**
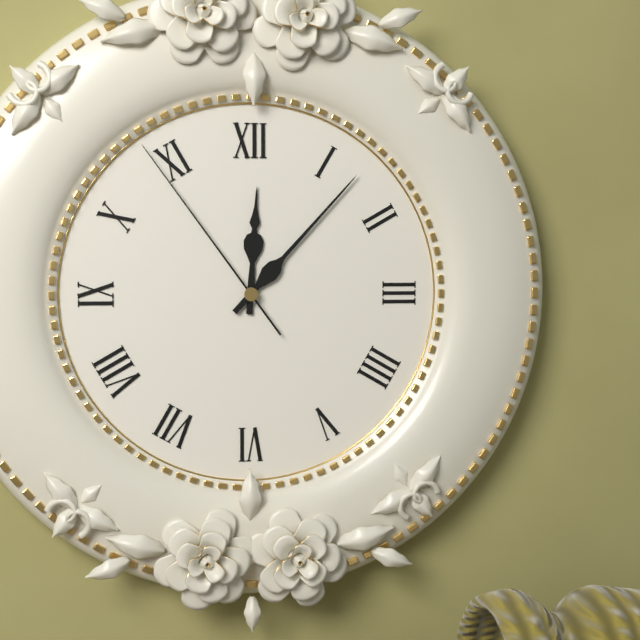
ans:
**12:07:54**
